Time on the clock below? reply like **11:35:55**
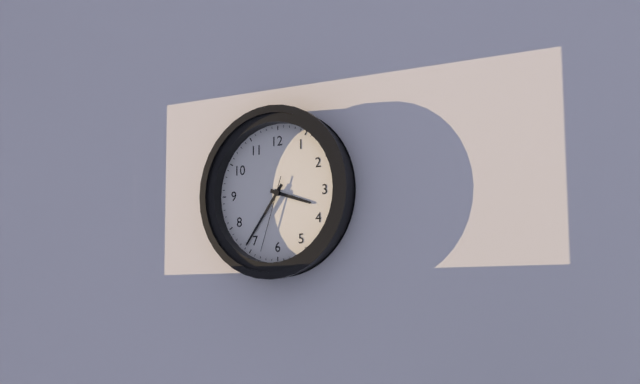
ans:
**3:36:33**
